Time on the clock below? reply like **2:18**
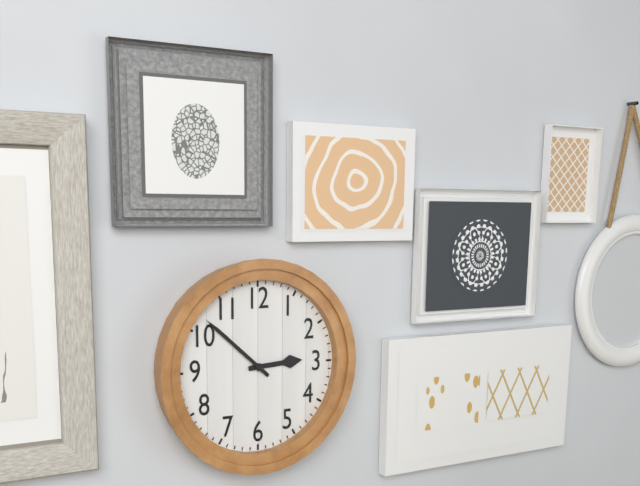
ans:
**2:52**
